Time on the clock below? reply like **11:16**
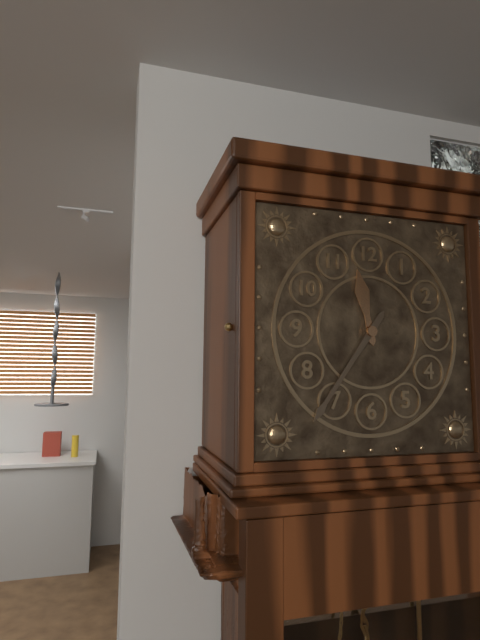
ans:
**11:36**
